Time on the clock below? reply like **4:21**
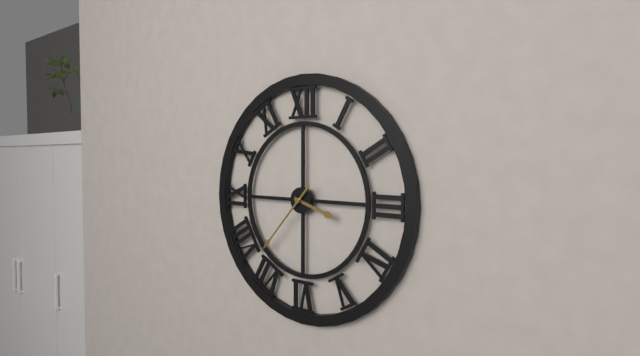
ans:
**3:37**
